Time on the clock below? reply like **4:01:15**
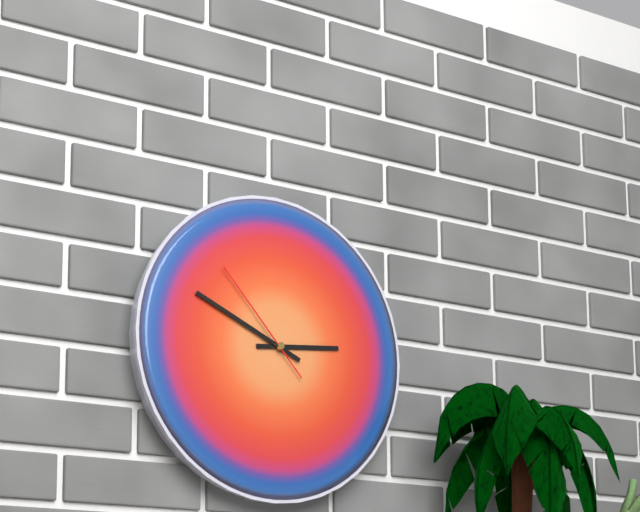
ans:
**2:49:53**
